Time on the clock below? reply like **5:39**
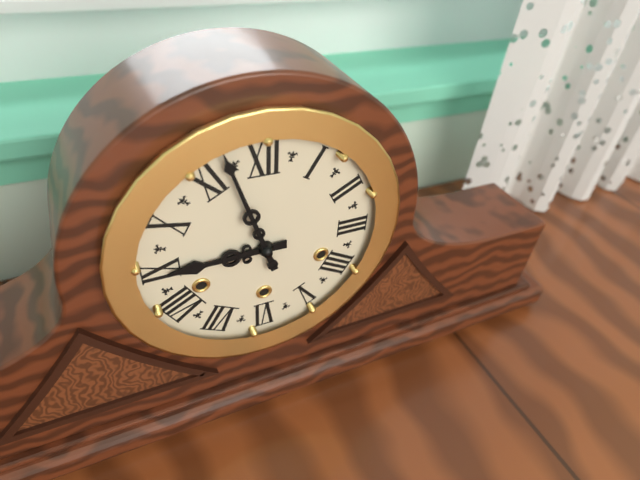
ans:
**8:57**
